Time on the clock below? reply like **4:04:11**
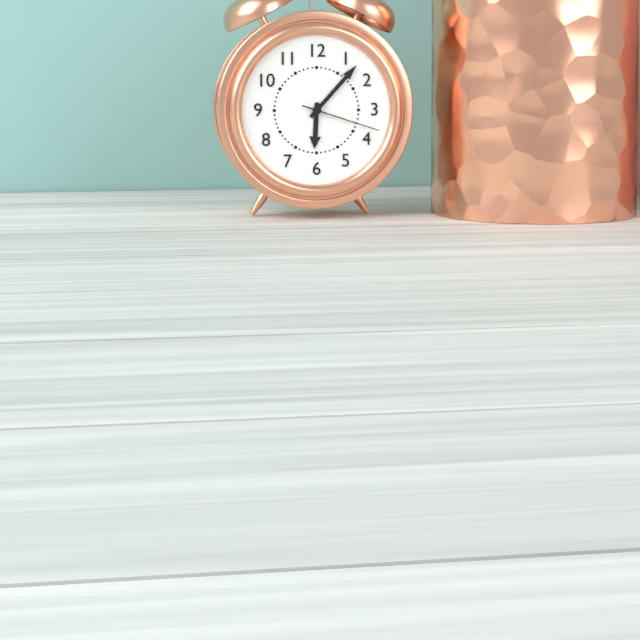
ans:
**6:07:18**
